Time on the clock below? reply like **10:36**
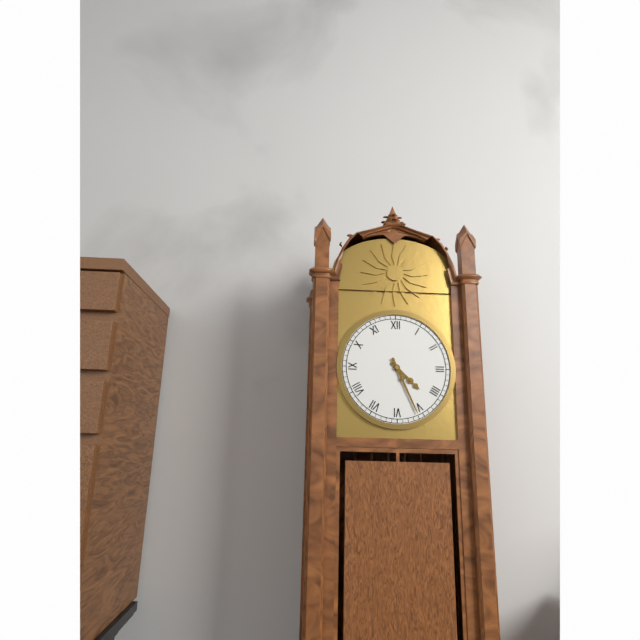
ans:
**4:26**
